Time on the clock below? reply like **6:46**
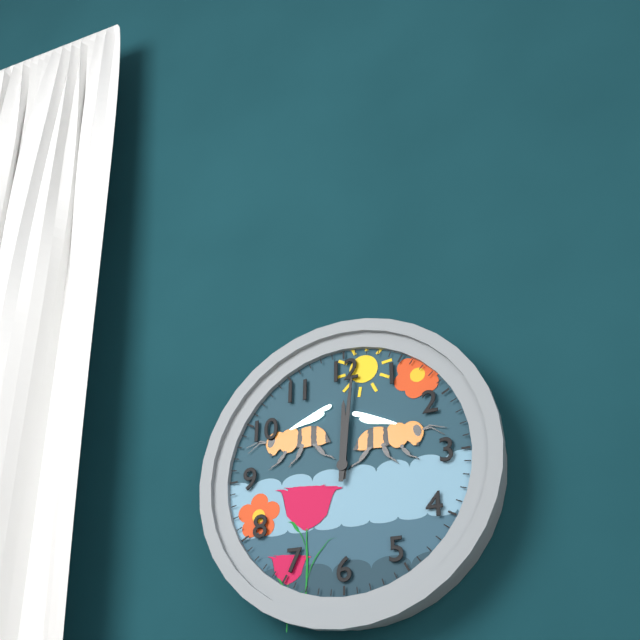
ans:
**12:01**
